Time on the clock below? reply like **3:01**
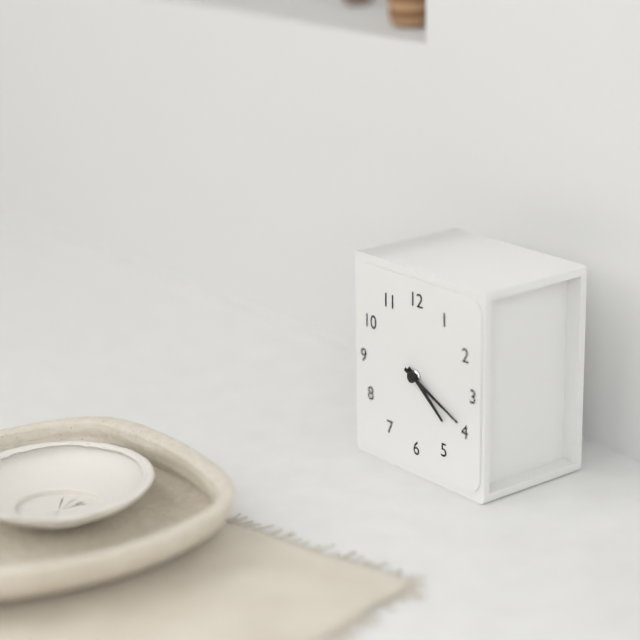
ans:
**4:19**
